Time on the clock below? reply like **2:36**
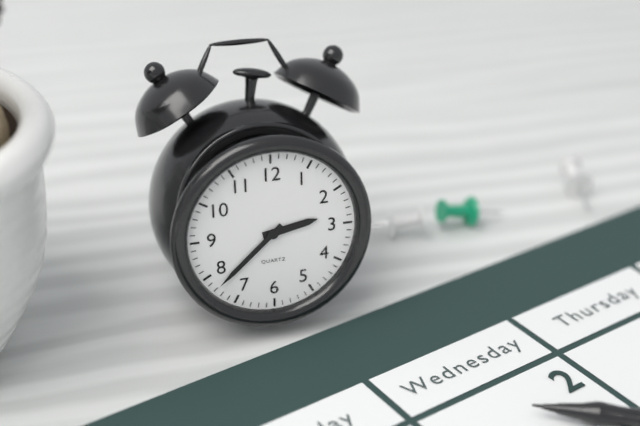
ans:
**2:38**
